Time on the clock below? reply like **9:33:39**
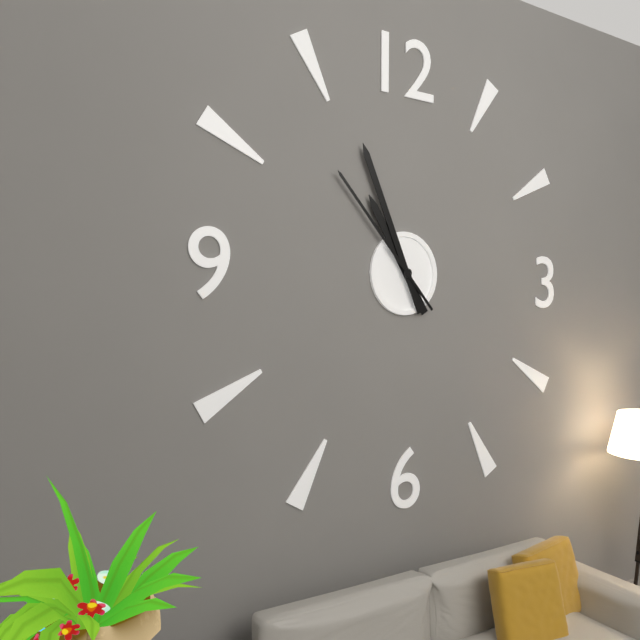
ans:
**10:56:53**
